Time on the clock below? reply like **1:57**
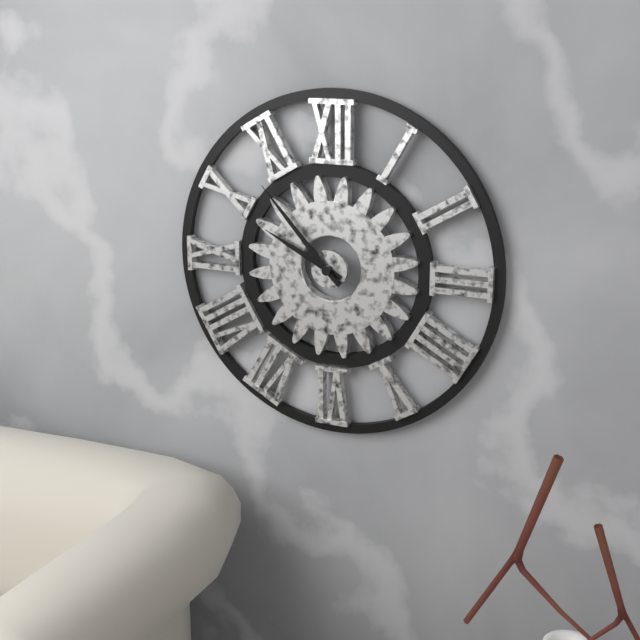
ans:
**9:53**
